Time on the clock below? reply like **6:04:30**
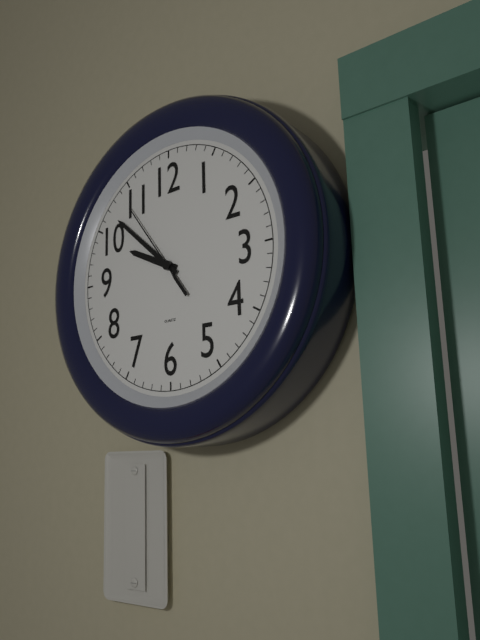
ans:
**9:52:54**
